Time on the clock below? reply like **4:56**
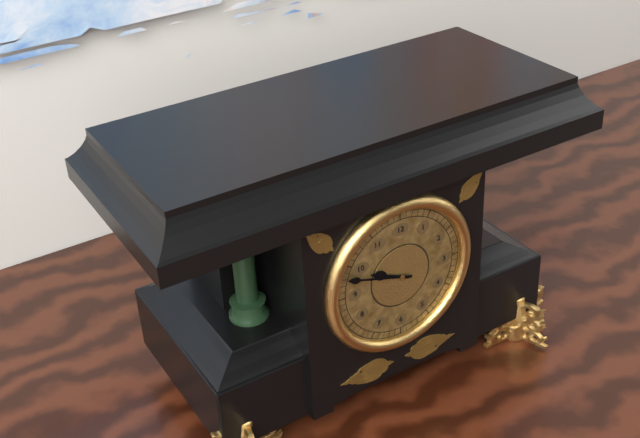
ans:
**9:48**
